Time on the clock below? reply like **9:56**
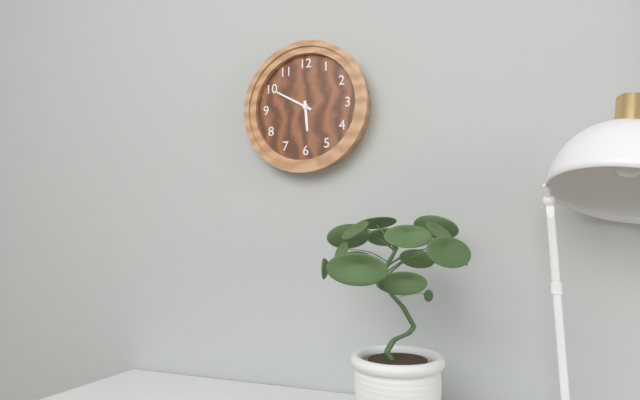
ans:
**5:50**
